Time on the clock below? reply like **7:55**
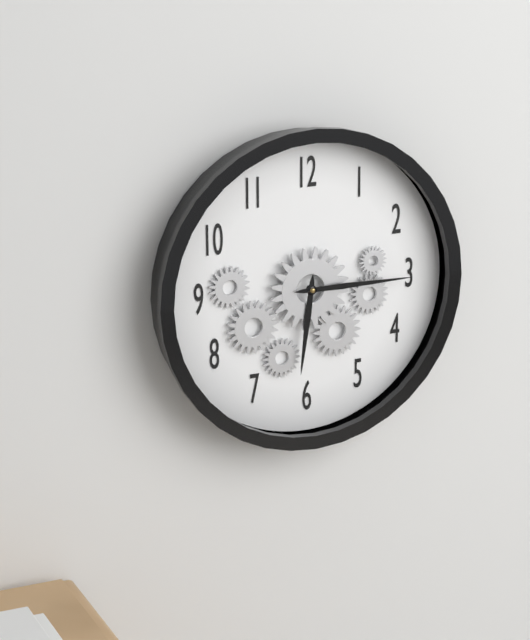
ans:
**6:15**
